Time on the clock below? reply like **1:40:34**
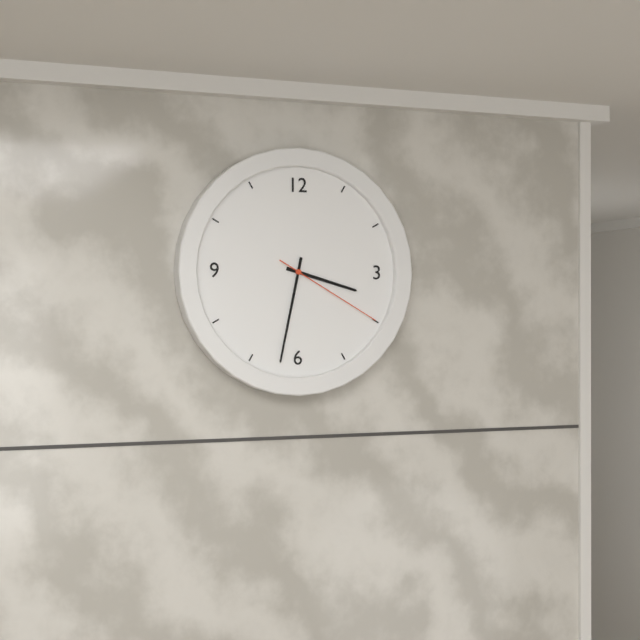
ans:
**3:32:20**
